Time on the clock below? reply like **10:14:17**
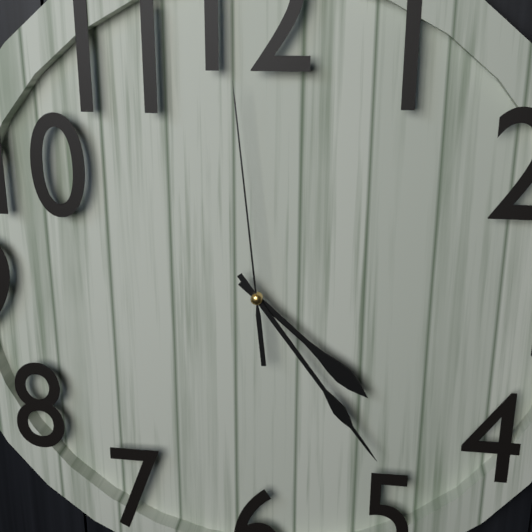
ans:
**4:24:59**
